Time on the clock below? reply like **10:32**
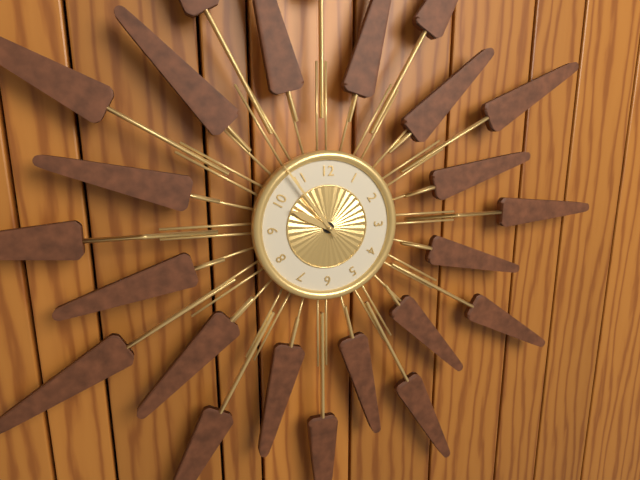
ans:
**9:54**
